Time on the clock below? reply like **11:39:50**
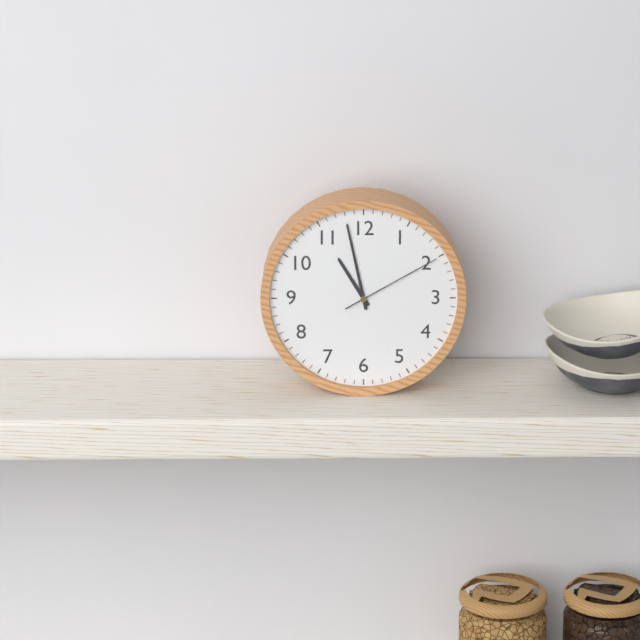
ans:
**10:58:10**
